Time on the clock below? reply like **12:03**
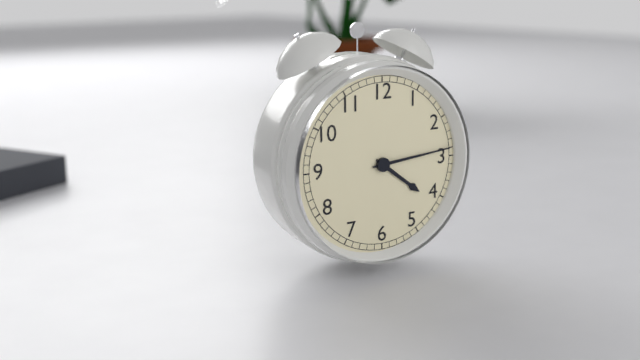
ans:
**4:14**
